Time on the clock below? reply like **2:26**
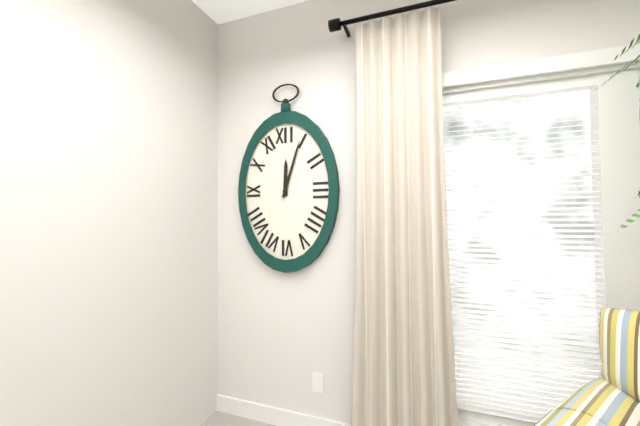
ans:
**12:03**
